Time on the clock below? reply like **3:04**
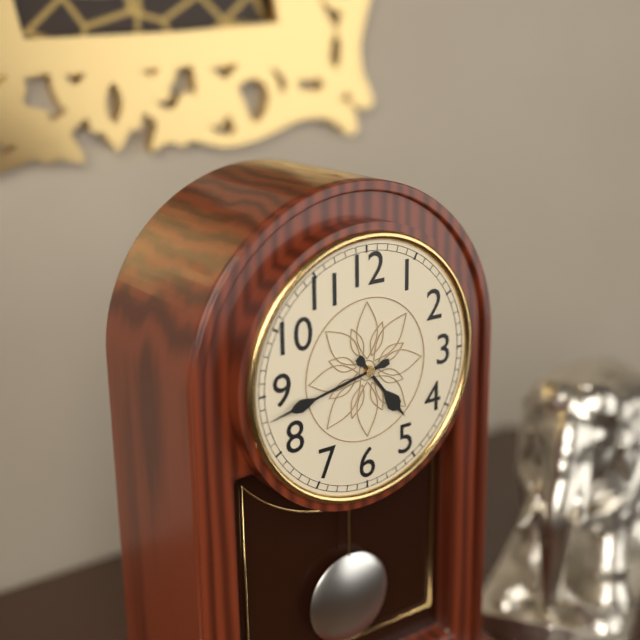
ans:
**4:43**
